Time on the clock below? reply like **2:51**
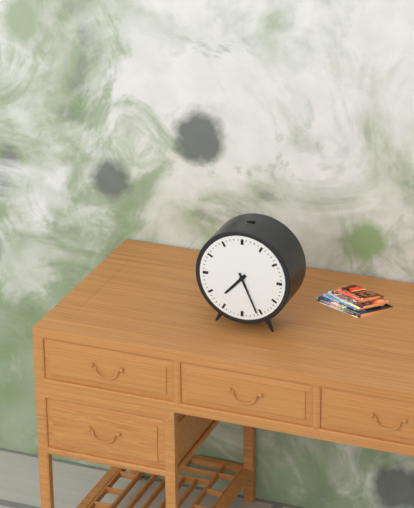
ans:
**7:26**
